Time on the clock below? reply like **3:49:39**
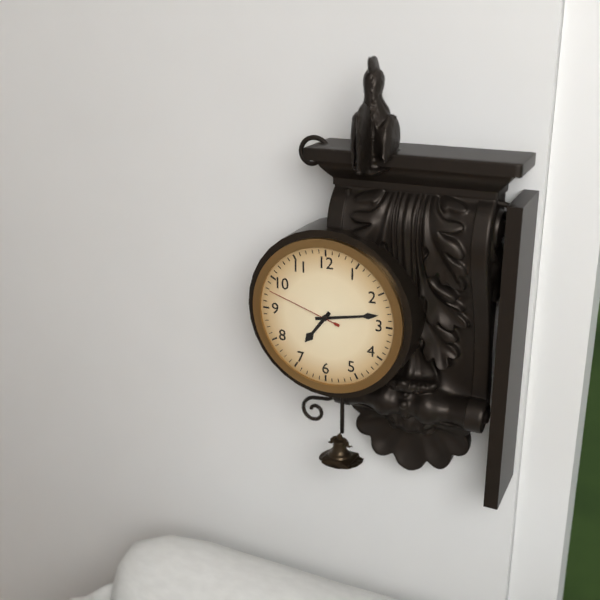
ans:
**7:13:48**
